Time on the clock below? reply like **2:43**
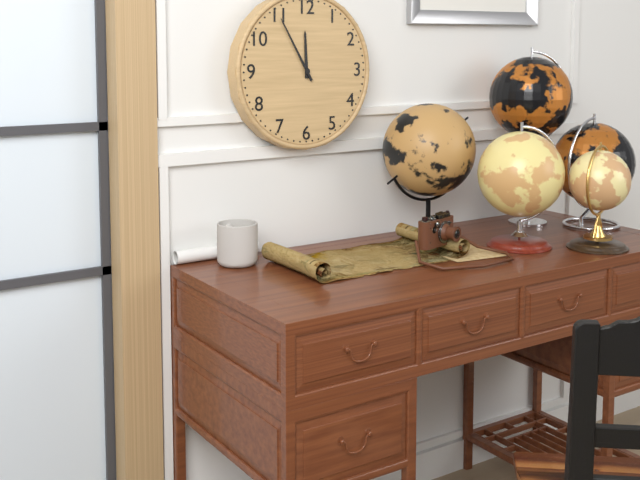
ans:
**11:55**
